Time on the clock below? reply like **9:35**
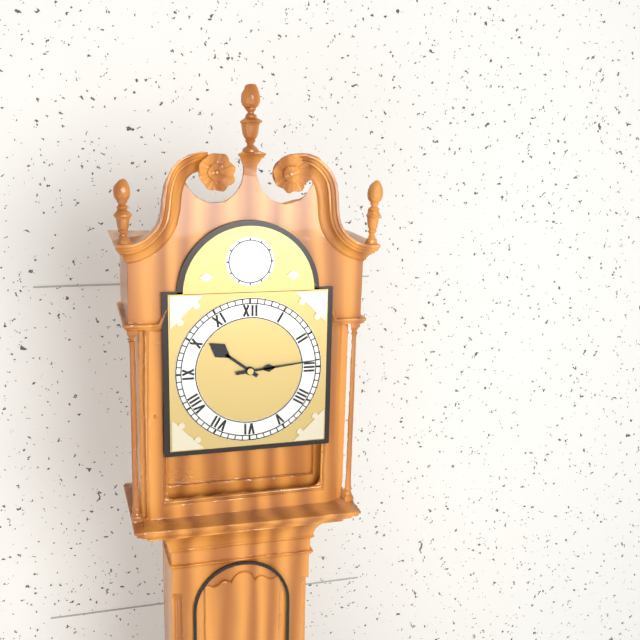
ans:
**10:14**
